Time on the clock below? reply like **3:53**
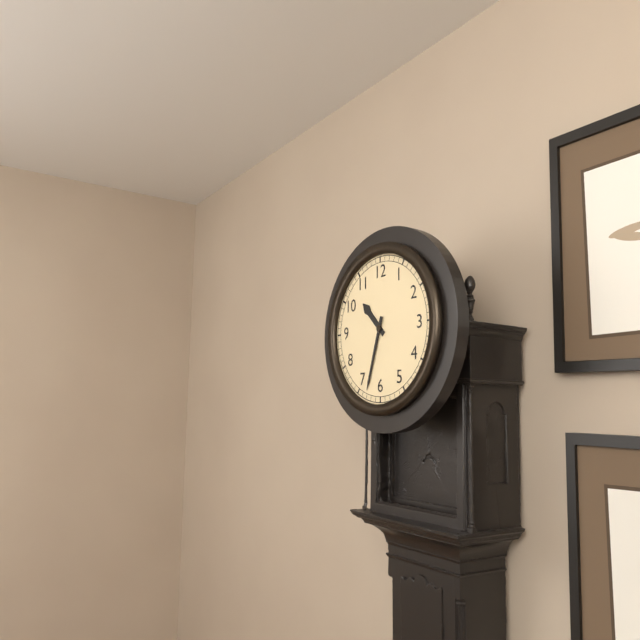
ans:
**10:33**
